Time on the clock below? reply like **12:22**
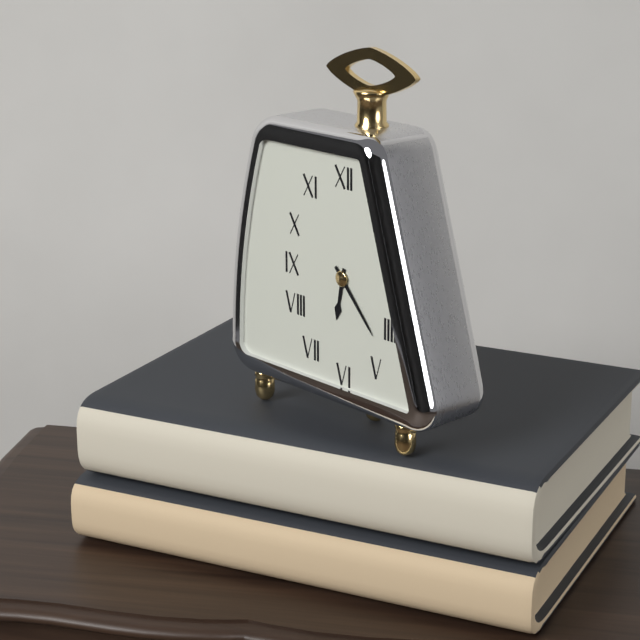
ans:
**6:23**
